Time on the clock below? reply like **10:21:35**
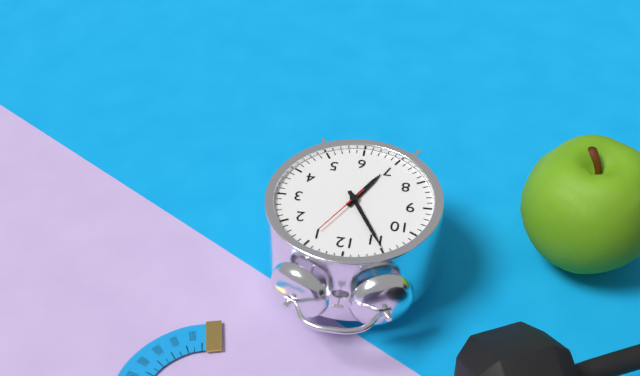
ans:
**6:55:05**
